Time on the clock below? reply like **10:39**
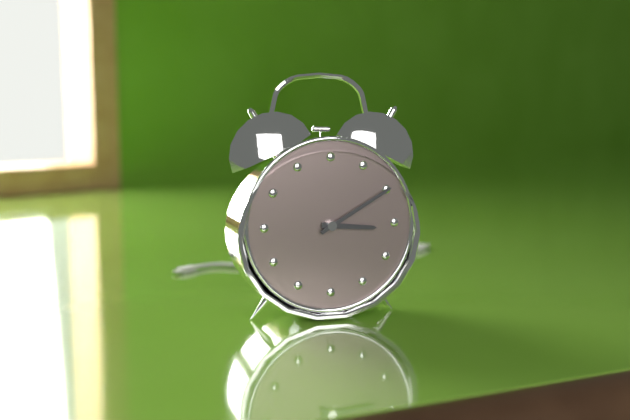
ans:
**3:10**
